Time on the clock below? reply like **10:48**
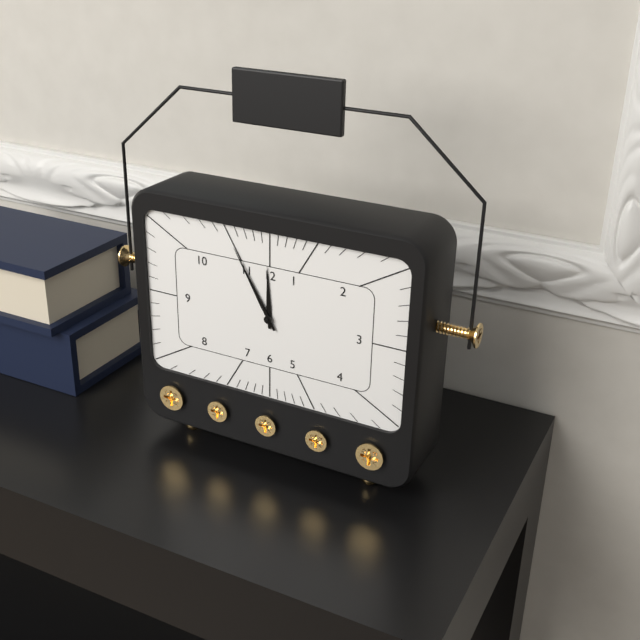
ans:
**11:55**
